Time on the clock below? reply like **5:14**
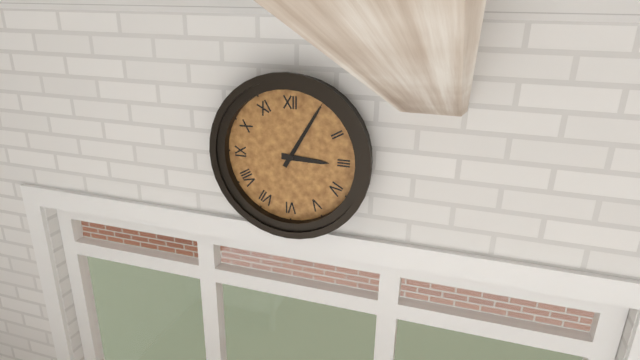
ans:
**3:05**
